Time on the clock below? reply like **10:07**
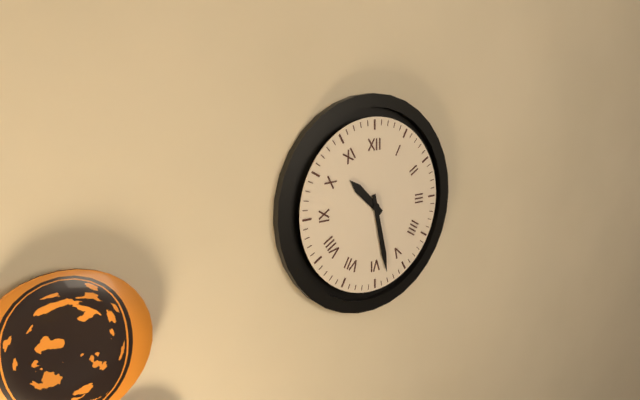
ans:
**10:28**
